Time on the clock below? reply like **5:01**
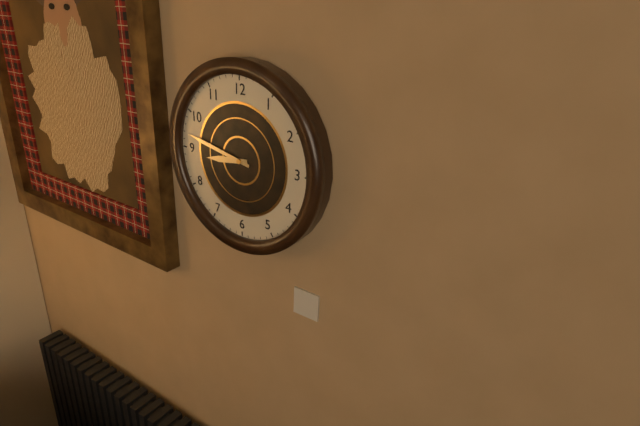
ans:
**8:47**
